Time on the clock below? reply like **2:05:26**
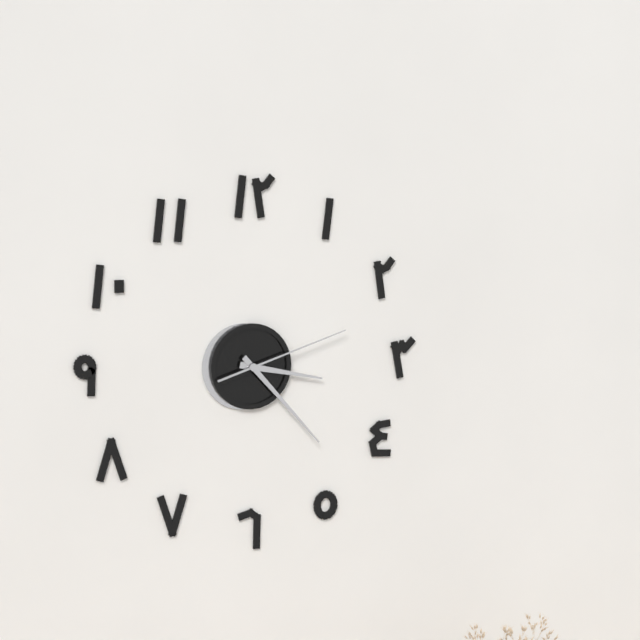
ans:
**3:23:12**
